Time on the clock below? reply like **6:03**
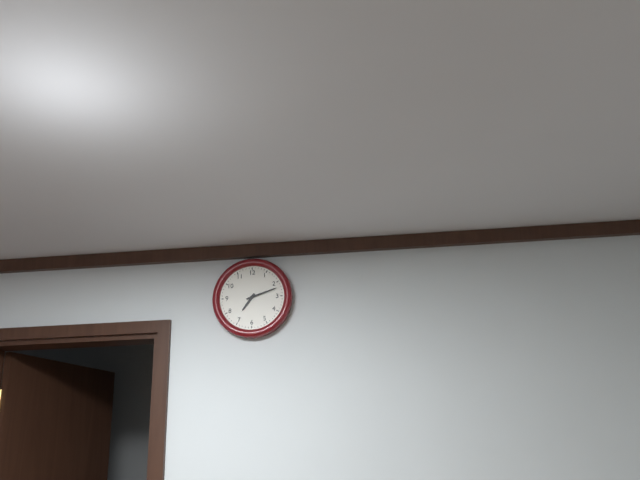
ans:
**7:12**
